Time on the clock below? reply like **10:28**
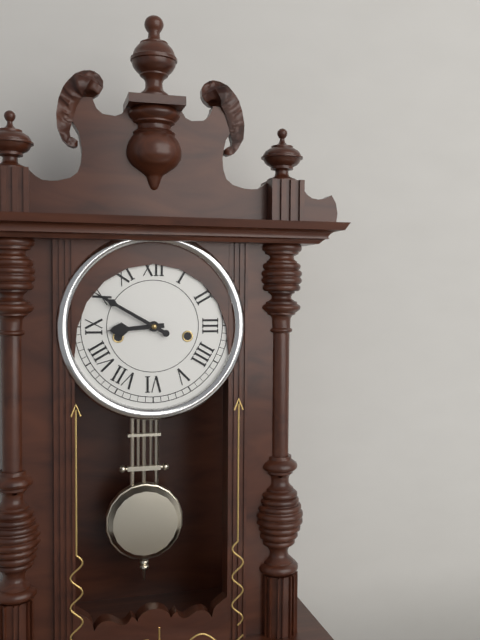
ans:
**8:50**
